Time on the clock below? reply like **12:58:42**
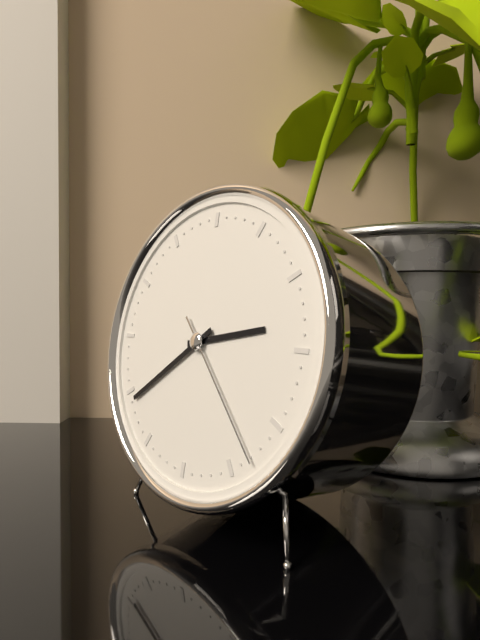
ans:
**2:39:23**
